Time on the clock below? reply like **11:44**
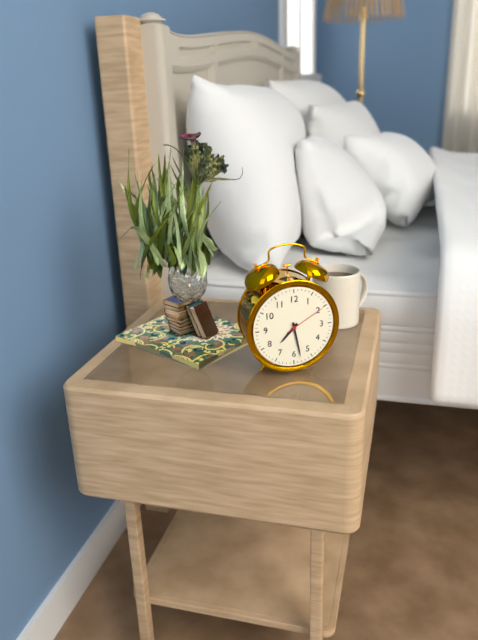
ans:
**7:28**
